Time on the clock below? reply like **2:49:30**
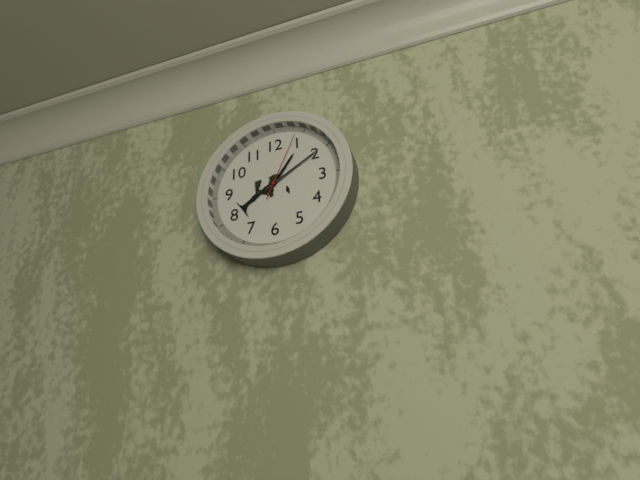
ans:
**1:10:04**
